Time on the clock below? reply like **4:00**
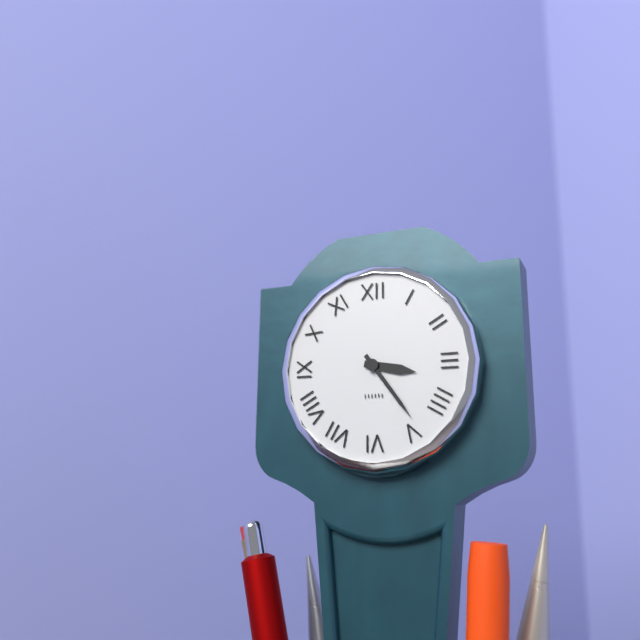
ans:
**3:24**
